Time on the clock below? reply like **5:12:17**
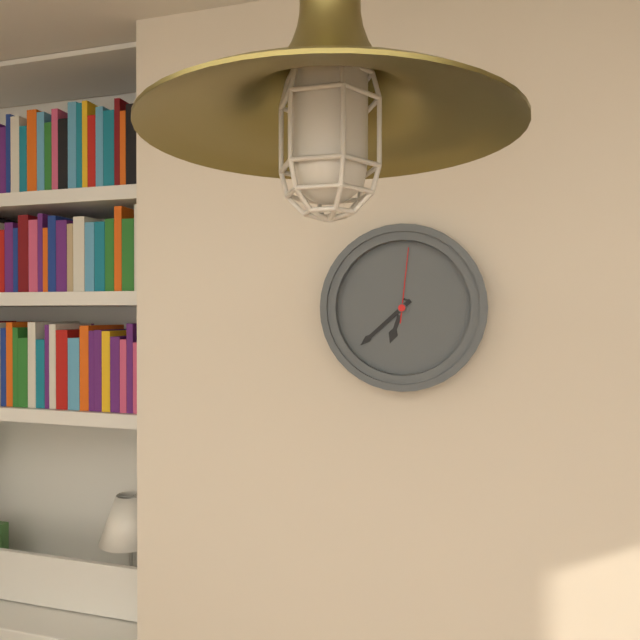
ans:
**6:38:01**
